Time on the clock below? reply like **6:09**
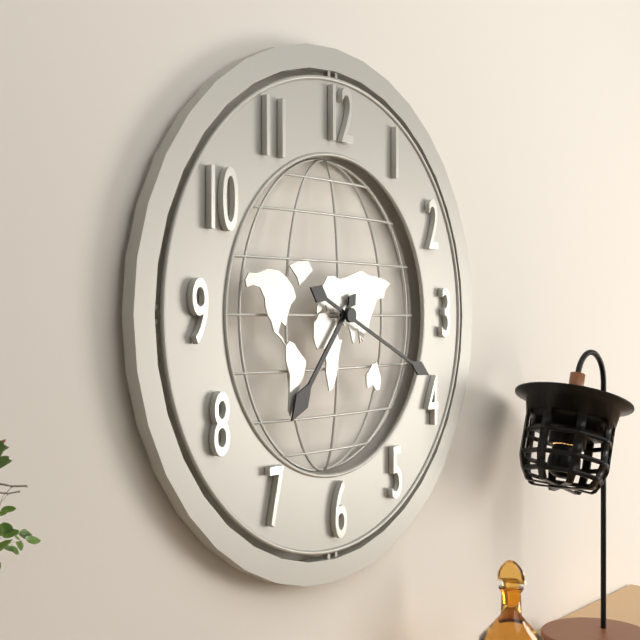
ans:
**7:19**
